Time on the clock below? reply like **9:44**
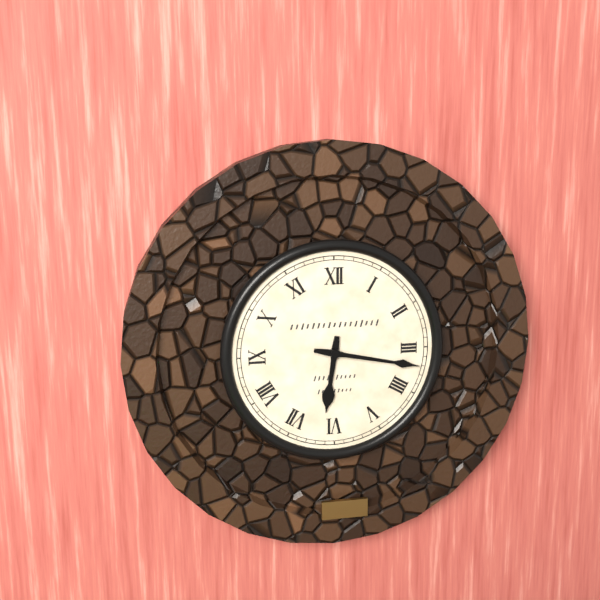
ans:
**6:17**
